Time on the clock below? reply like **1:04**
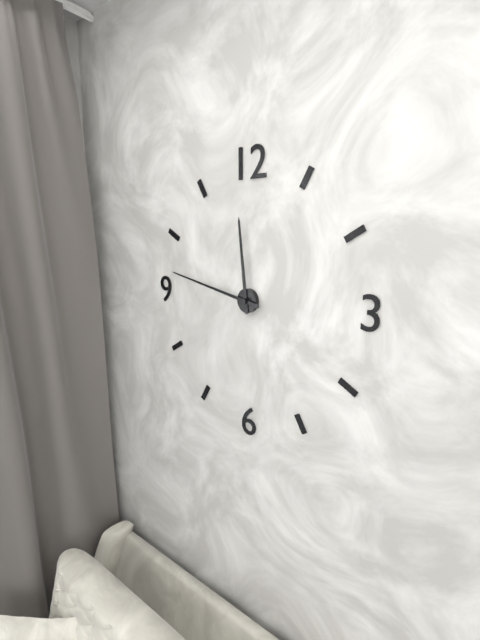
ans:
**11:47**
